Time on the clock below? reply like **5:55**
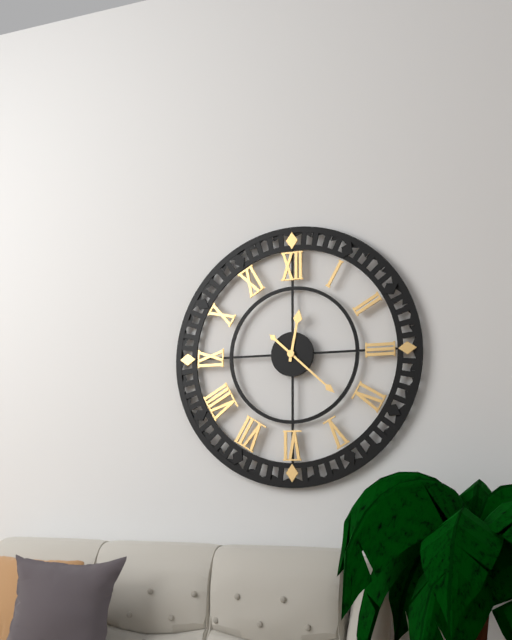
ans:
**12:22**
